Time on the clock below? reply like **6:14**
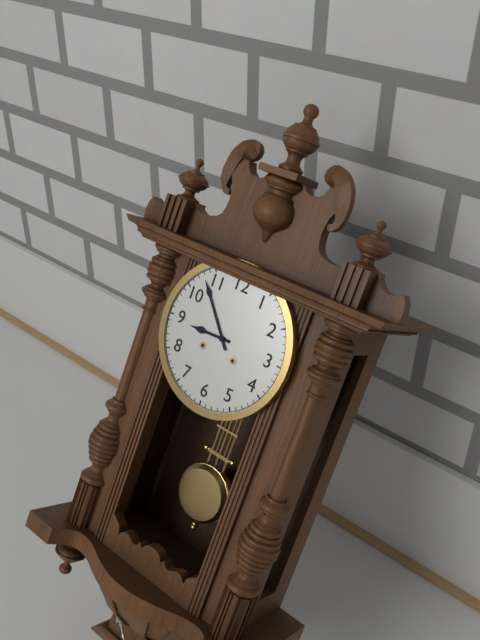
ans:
**8:53**
